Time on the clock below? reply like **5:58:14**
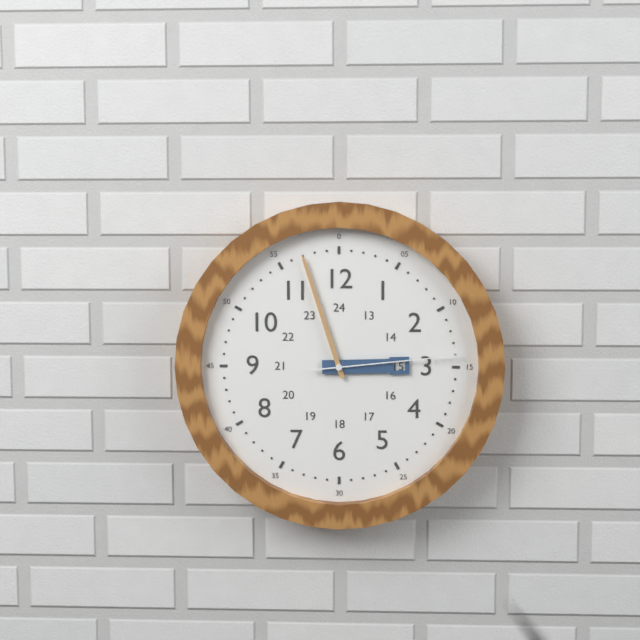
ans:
**2:57:14**
